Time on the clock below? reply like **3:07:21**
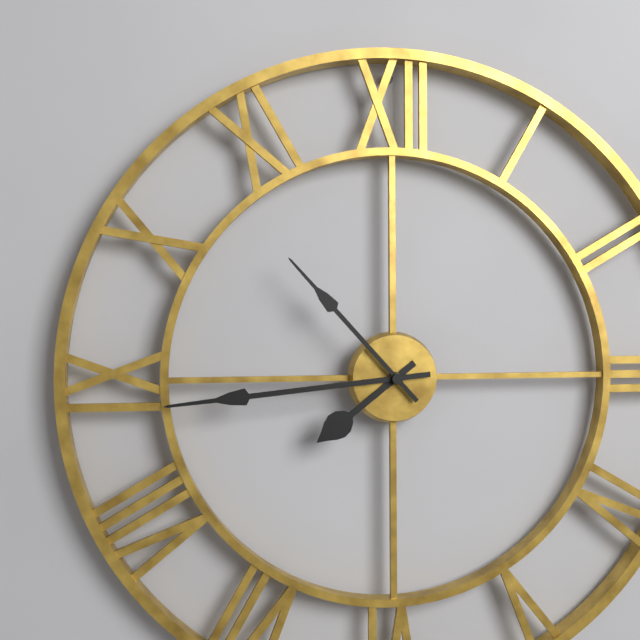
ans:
**7:44:53**
